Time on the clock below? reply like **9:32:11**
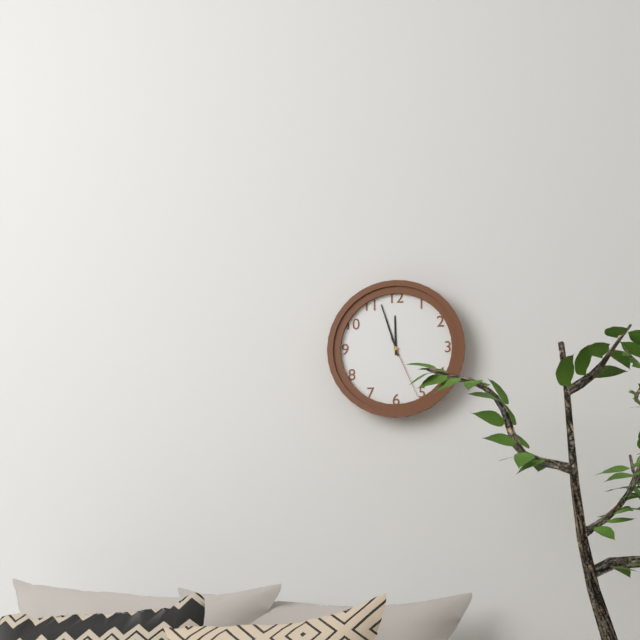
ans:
**11:57:26**
